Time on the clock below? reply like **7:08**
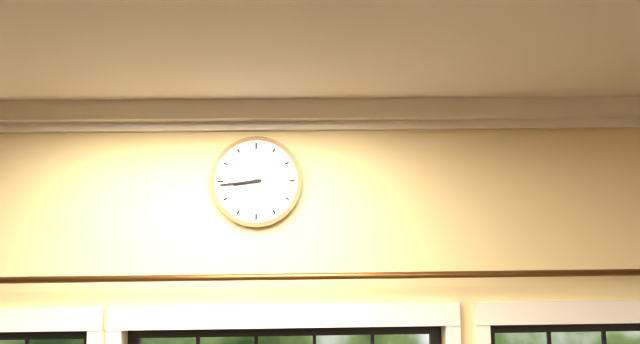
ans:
**8:44**
